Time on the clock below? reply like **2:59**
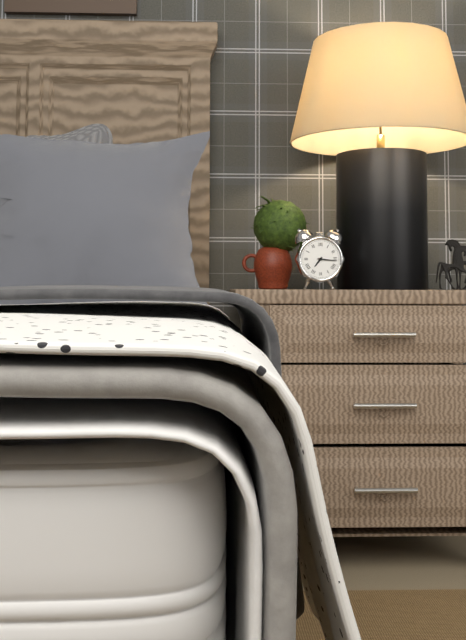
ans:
**7:16**
